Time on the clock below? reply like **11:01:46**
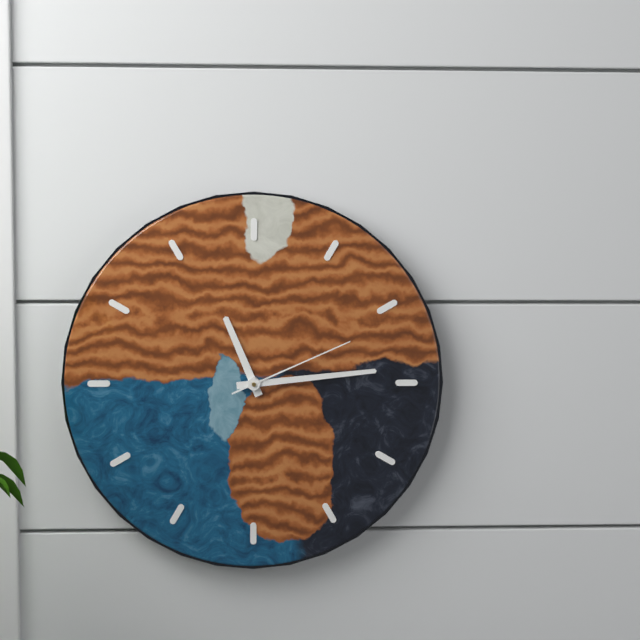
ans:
**11:14:11**
